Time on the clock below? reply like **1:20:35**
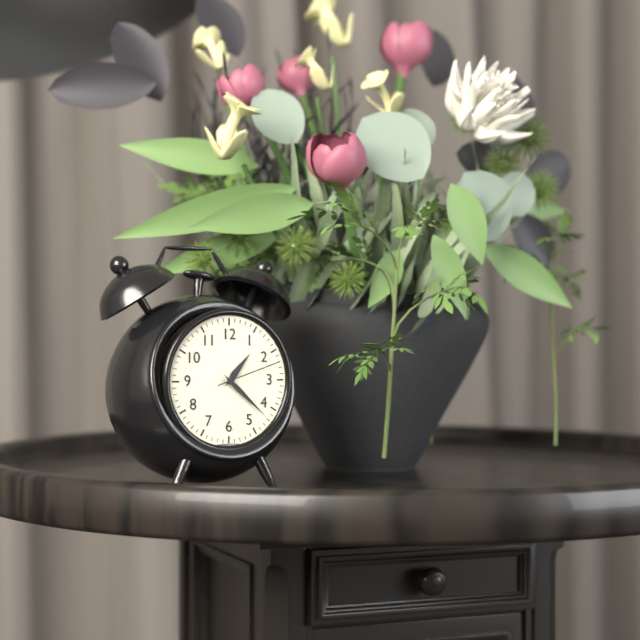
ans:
**1:22:12**
